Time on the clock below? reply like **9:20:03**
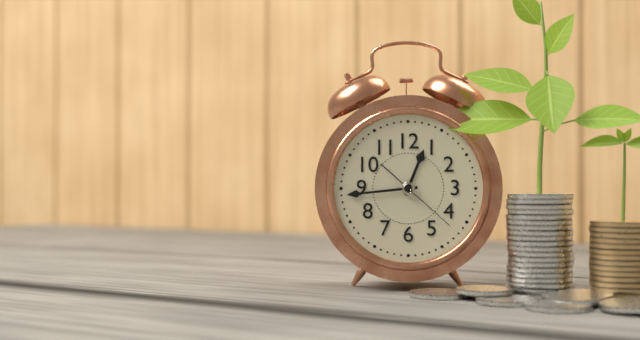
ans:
**12:44:22**
